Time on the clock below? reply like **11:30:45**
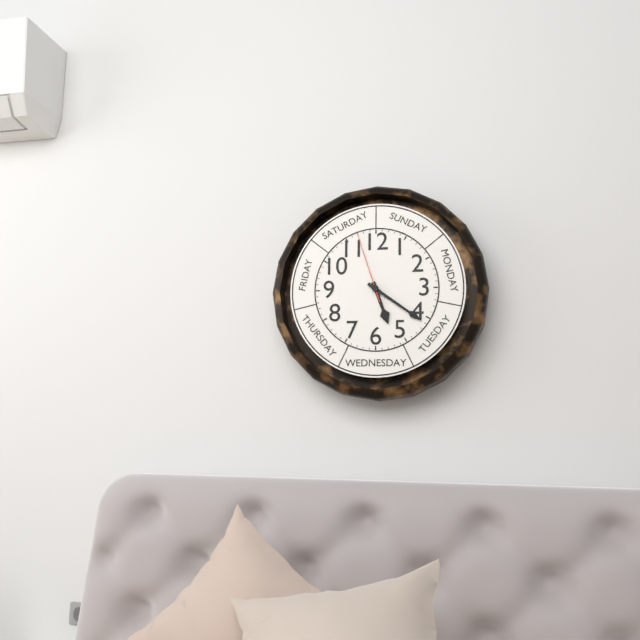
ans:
**5:21:57**
